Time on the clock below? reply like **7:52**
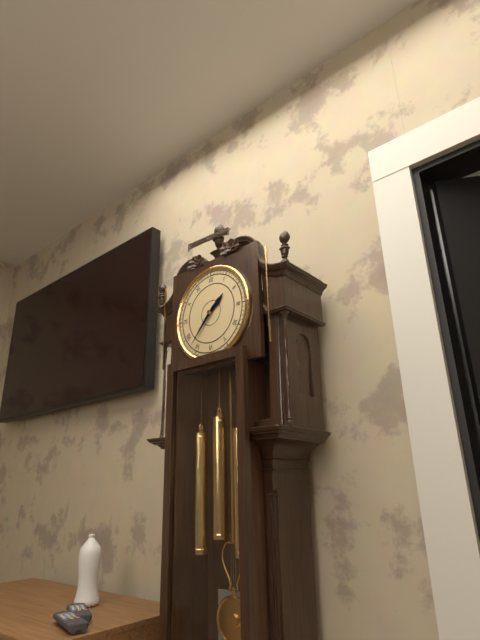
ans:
**1:37**
